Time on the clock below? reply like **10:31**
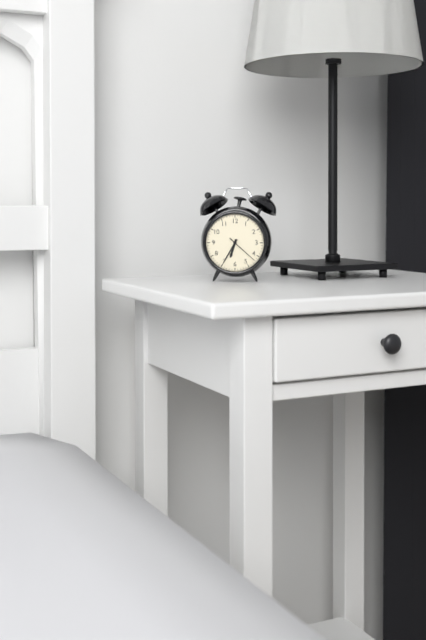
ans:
**6:35**
